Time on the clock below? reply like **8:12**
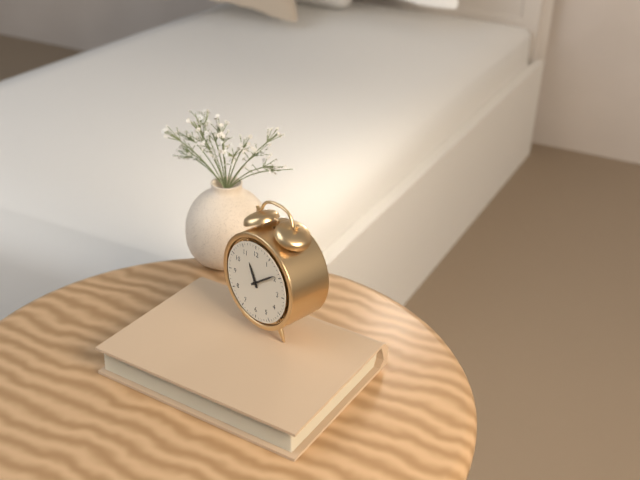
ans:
**11:09**
